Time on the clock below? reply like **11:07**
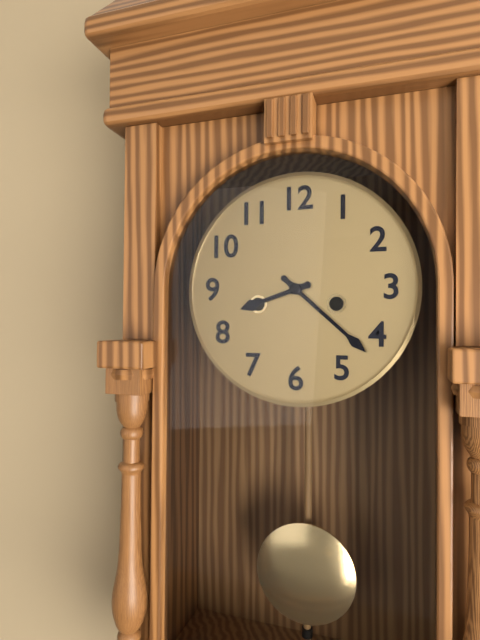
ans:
**8:22**
